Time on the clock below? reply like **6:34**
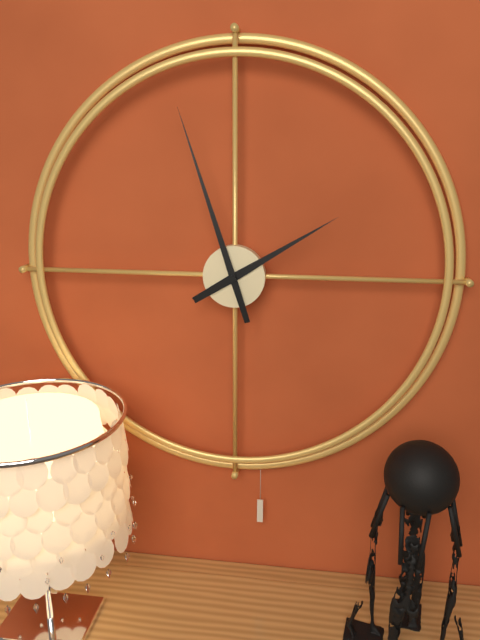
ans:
**1:57**
